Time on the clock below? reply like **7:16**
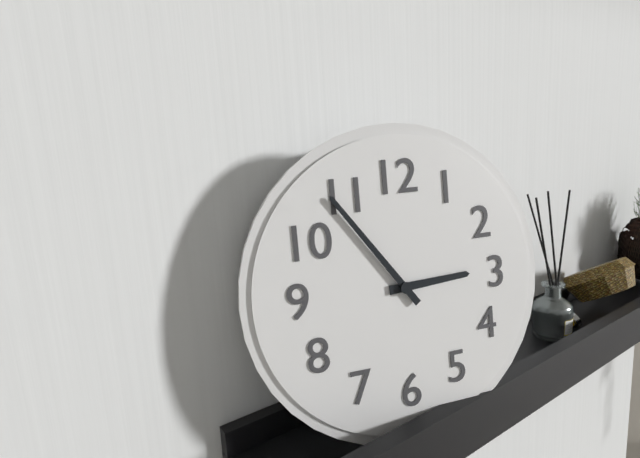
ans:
**2:54**
